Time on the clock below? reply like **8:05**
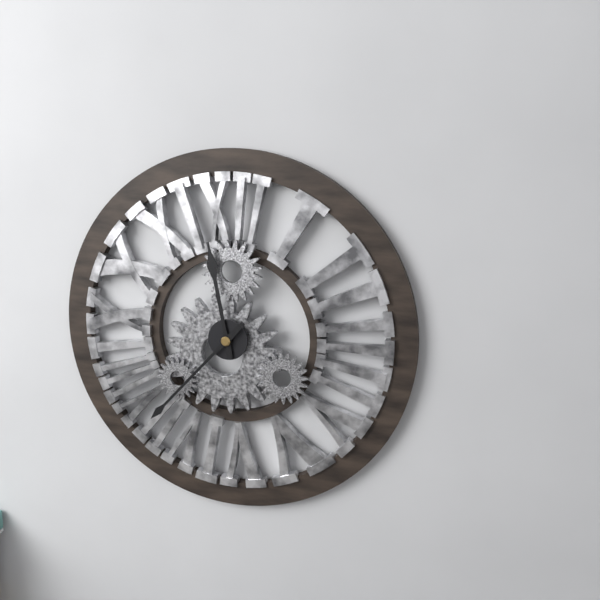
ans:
**11:37**
